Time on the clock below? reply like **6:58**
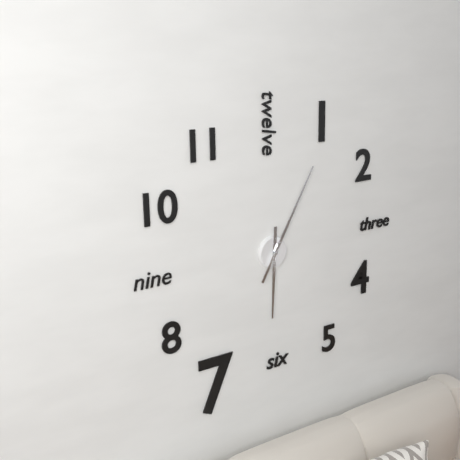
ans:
**6:05**
